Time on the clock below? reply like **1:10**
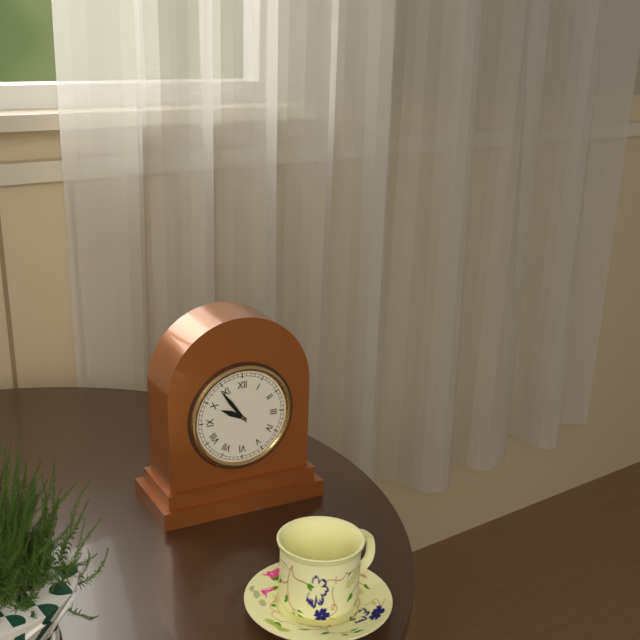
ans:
**9:54**
